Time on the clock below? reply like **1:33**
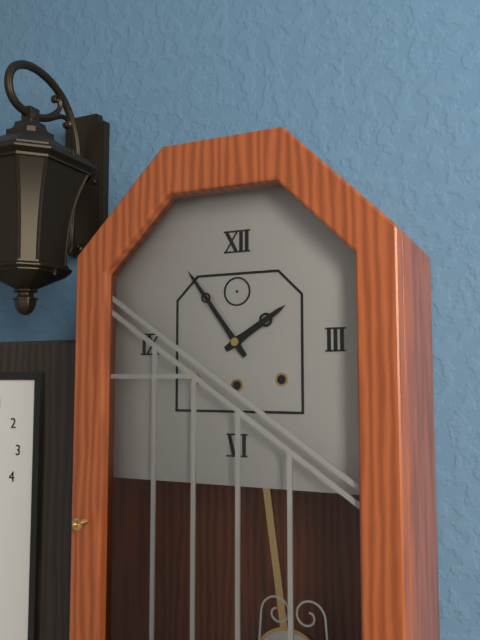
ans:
**1:54**
